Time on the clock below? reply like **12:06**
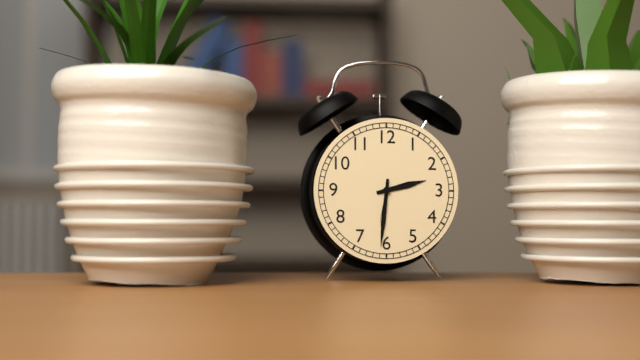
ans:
**2:31**
